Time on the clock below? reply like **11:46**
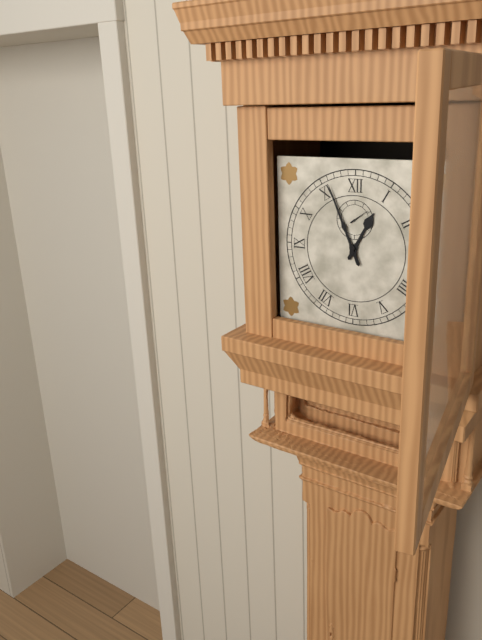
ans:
**12:56**
